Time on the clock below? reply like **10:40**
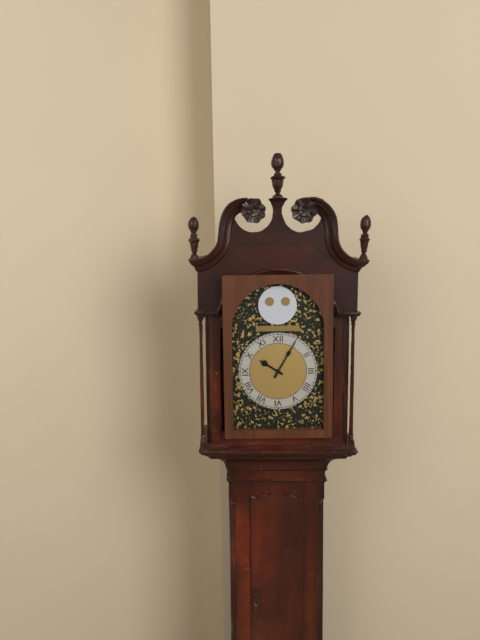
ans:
**10:05**
